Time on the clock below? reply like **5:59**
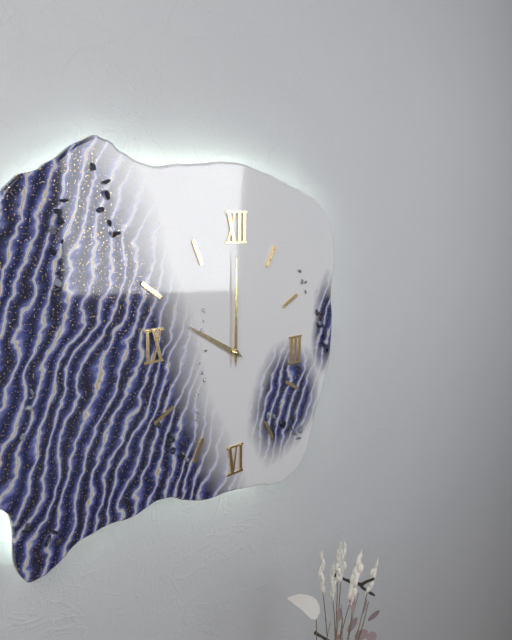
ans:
**10:00**
